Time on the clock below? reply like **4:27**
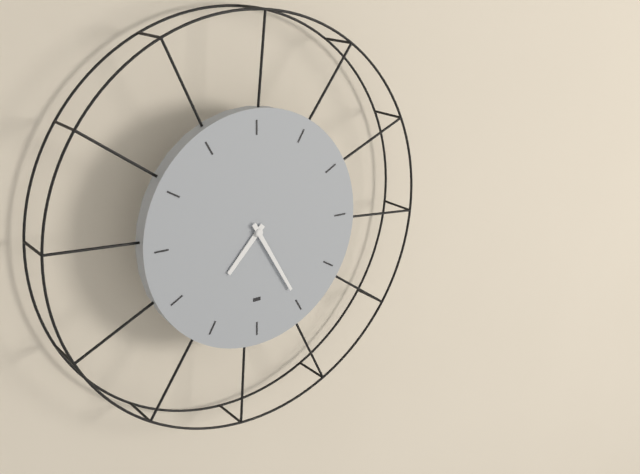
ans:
**7:25**
